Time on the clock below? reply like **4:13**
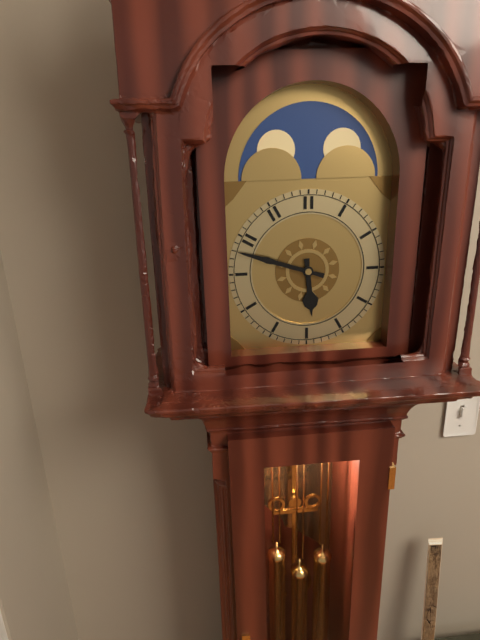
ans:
**5:48**
